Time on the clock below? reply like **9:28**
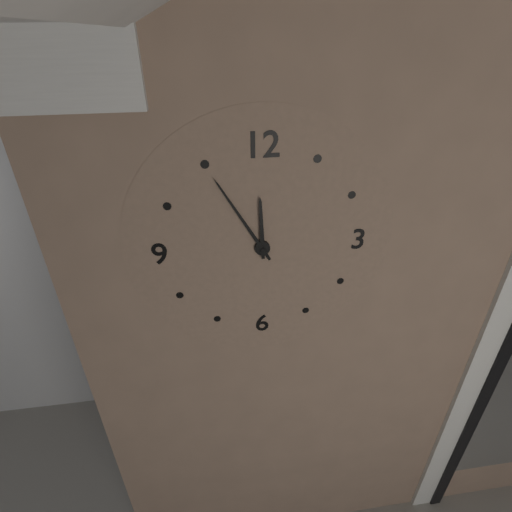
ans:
**11:55**
